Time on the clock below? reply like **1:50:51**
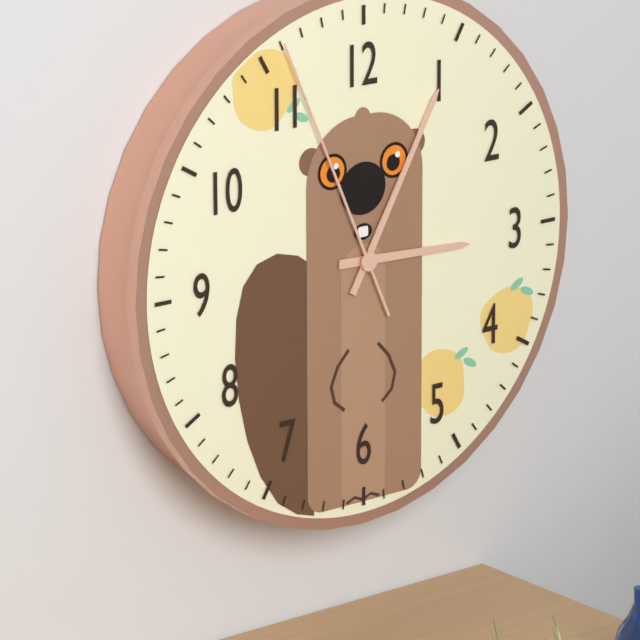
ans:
**3:05:56**
